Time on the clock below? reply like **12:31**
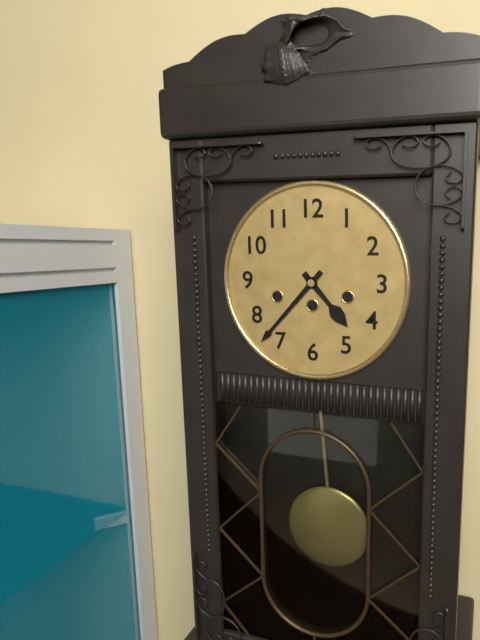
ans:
**4:37**
